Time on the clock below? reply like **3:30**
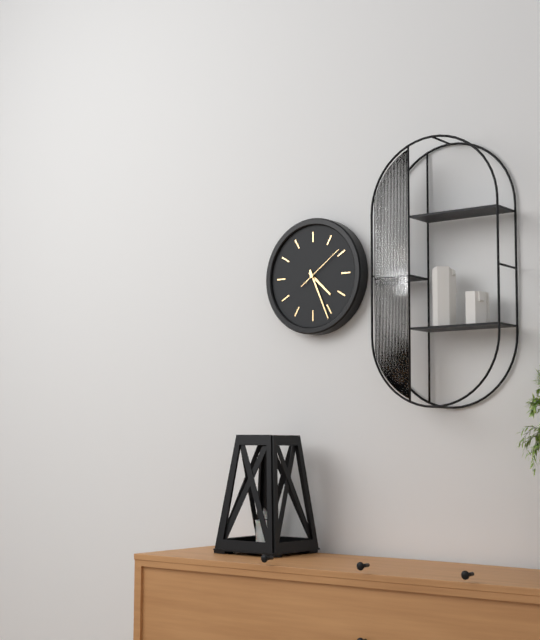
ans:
**4:26**
